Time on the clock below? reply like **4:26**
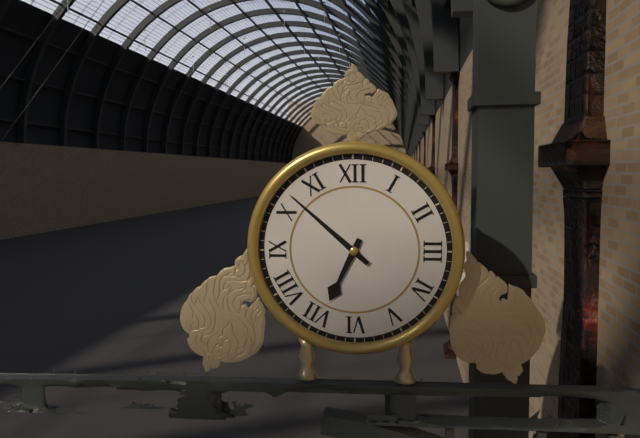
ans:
**6:52**
